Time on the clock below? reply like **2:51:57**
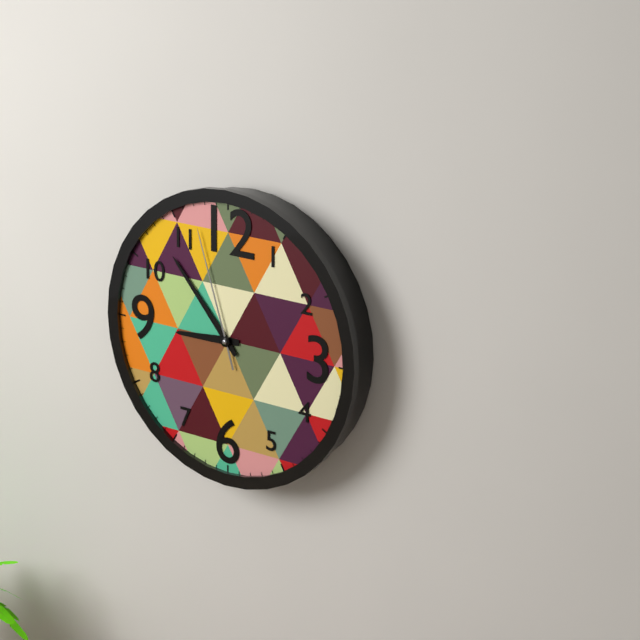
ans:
**8:53:57**
